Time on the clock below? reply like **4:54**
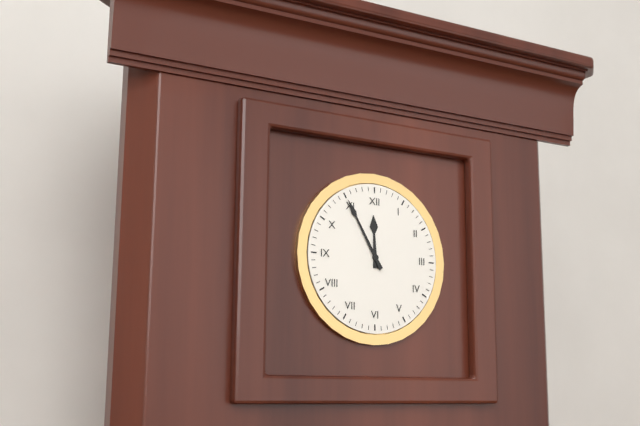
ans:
**11:55**
